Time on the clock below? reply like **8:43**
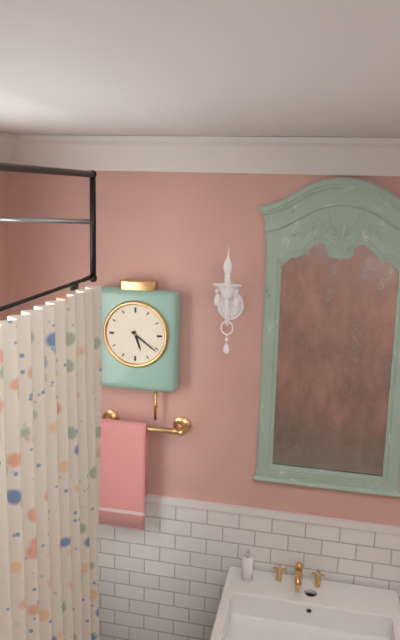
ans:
**5:21**
